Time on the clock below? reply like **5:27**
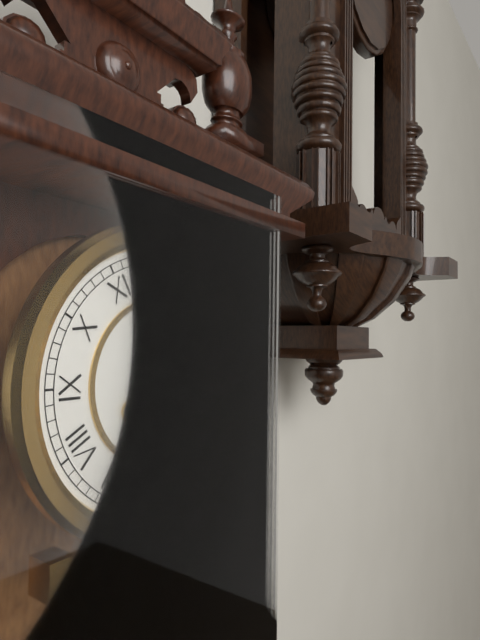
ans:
**2:30**
